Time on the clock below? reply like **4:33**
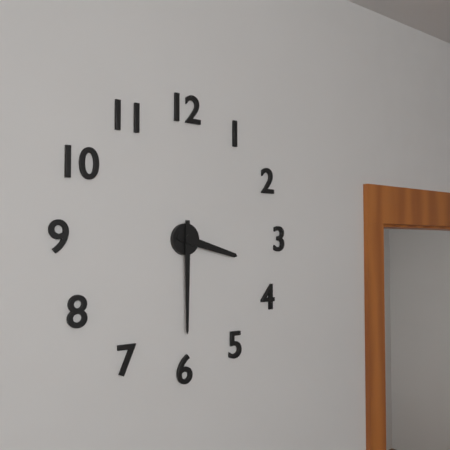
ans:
**3:30**
